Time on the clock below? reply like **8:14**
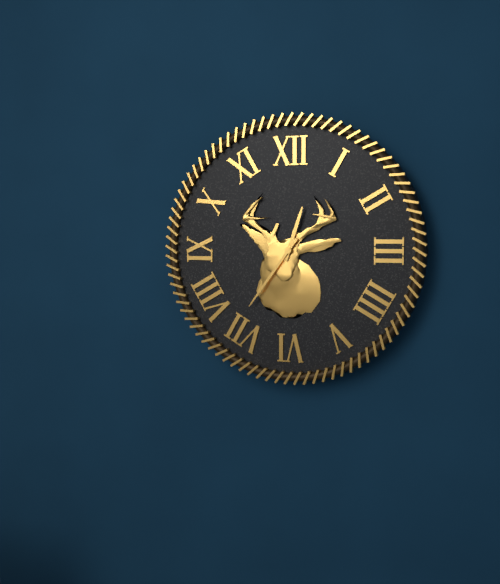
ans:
**12:36**
